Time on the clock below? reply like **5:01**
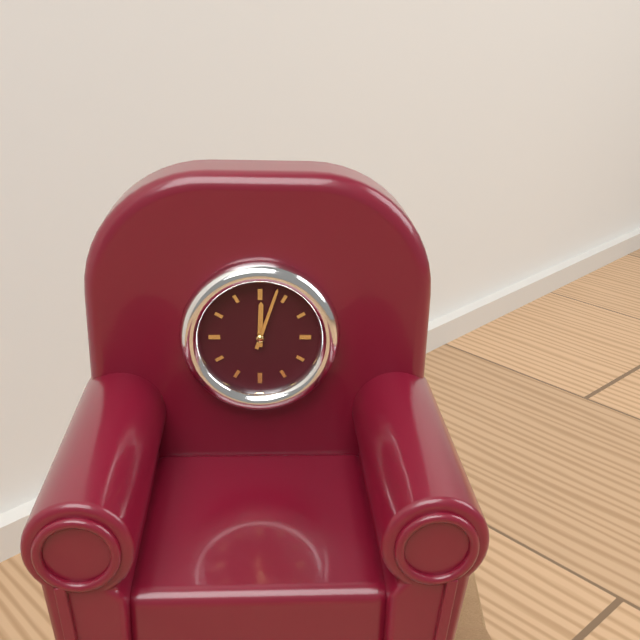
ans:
**12:03**
